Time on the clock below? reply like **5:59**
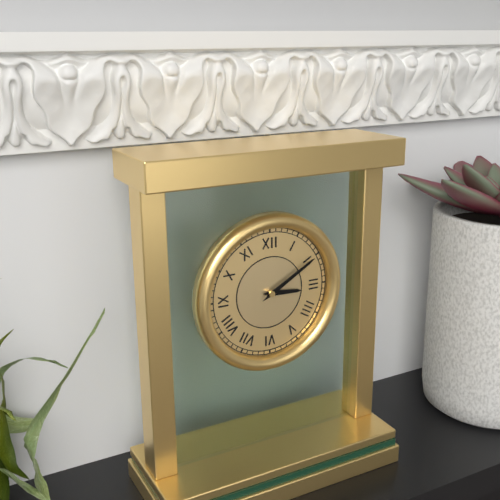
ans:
**3:10**
